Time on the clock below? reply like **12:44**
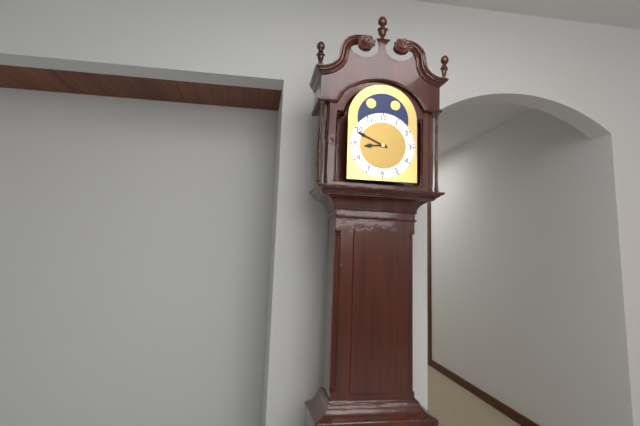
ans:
**8:49**
